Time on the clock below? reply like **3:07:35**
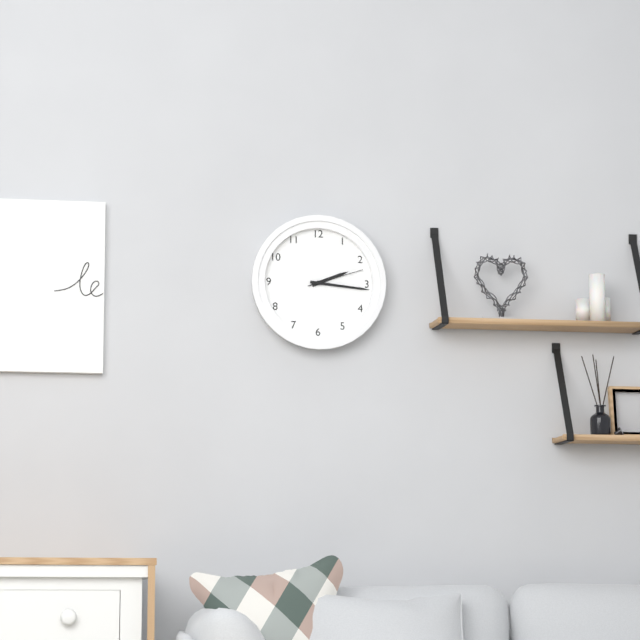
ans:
**2:16:12**
